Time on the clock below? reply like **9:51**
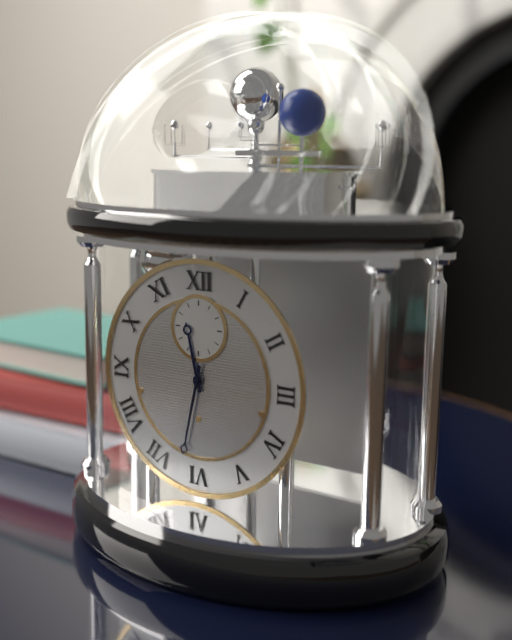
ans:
**11:32**
